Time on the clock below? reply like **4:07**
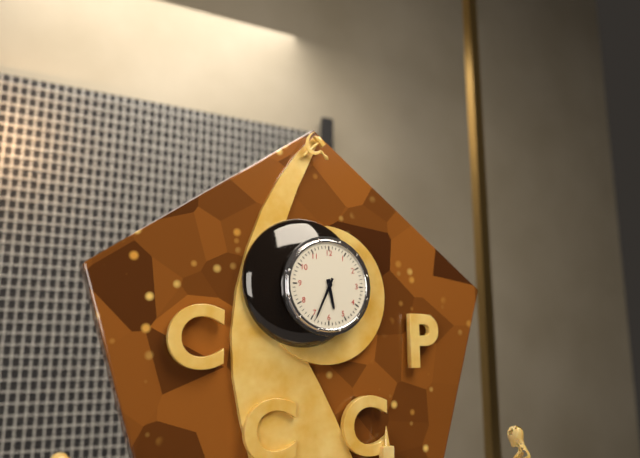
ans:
**5:34**
